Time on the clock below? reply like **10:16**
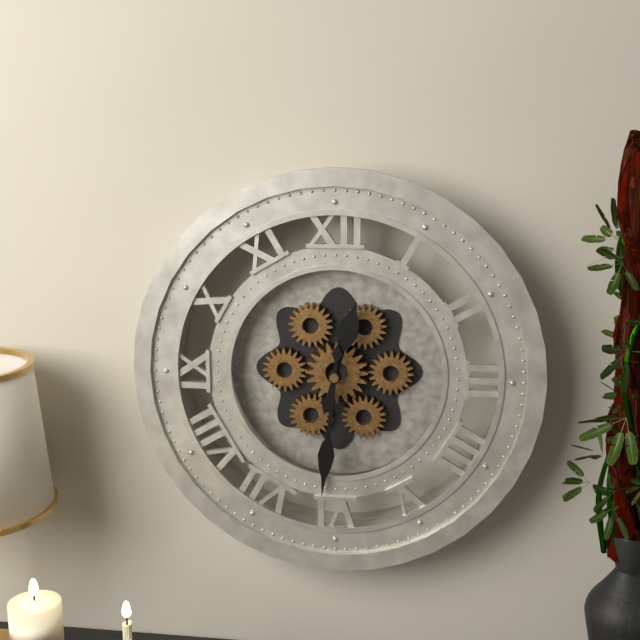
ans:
**12:31**
